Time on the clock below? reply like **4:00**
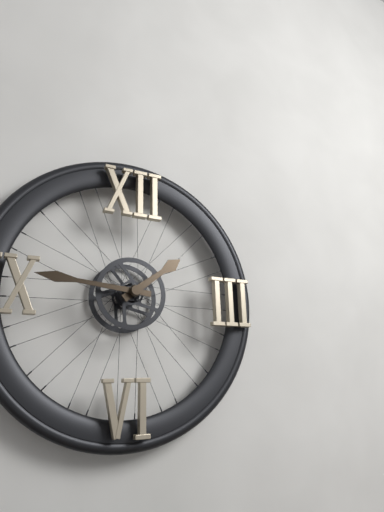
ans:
**1:46**
